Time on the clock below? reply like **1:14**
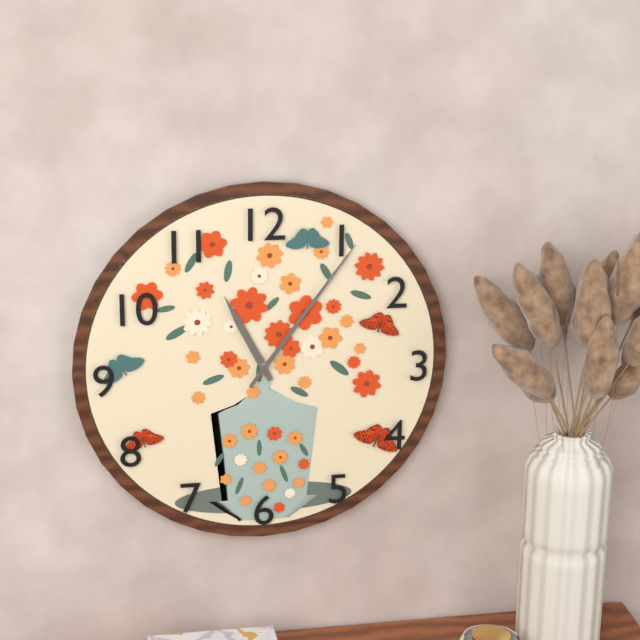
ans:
**11:06**
